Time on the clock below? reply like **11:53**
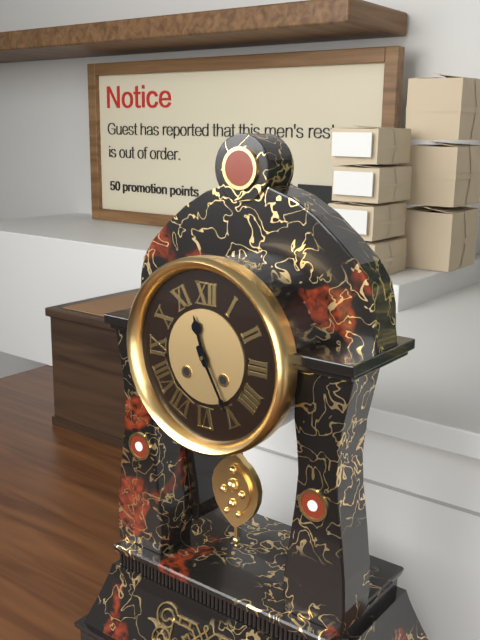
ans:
**11:25**
